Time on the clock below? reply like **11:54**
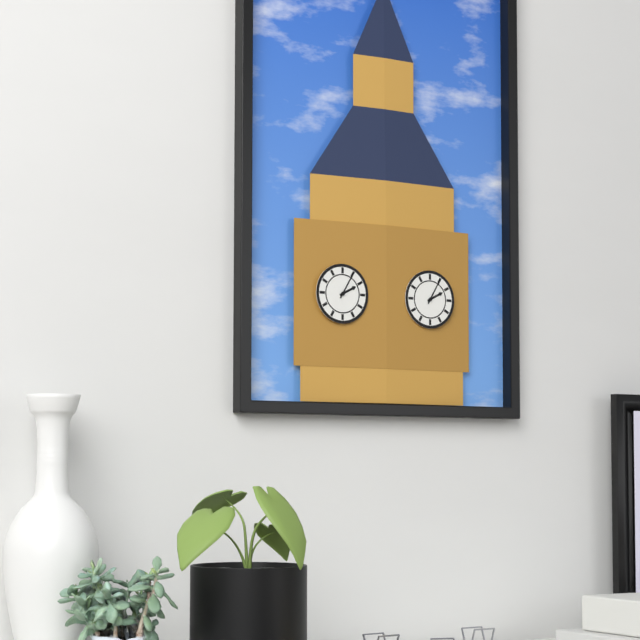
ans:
**2:05**
